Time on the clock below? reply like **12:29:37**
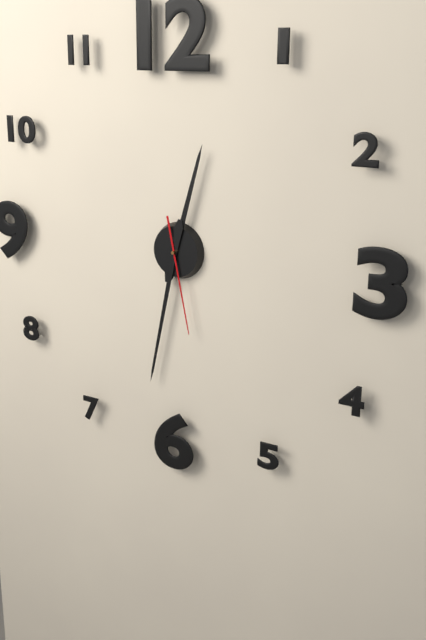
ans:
**12:32:28**
